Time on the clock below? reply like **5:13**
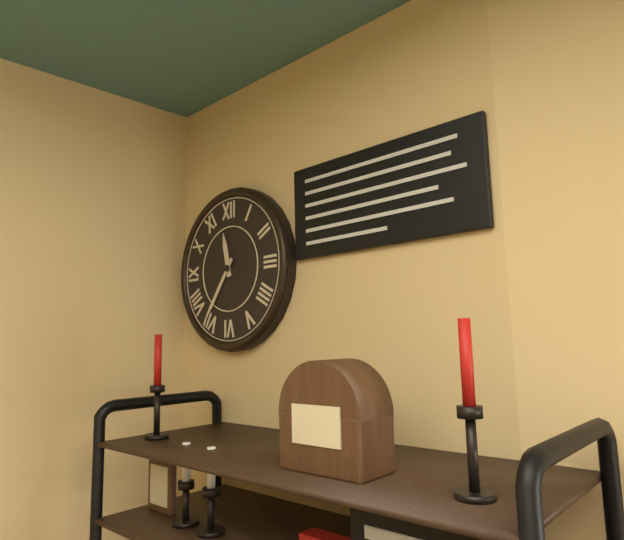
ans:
**11:36**
